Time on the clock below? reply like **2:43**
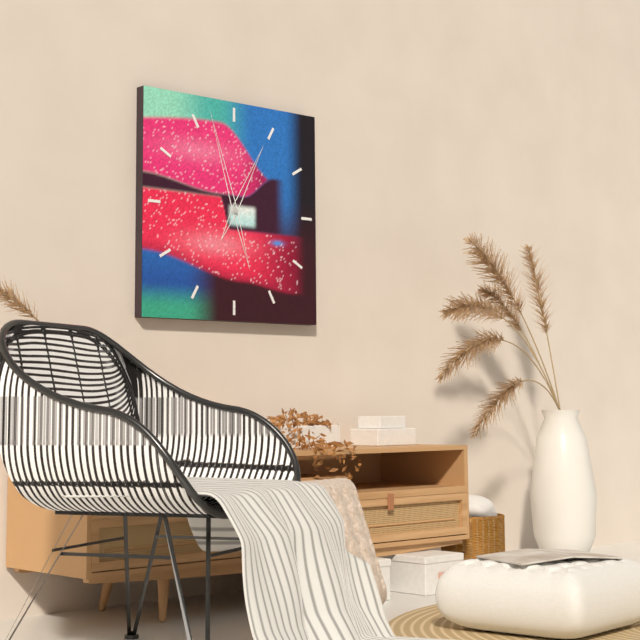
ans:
**12:57**
